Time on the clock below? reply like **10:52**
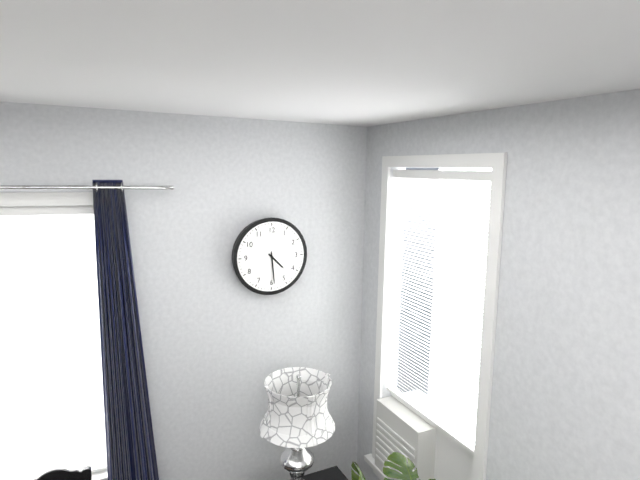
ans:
**4:29**
